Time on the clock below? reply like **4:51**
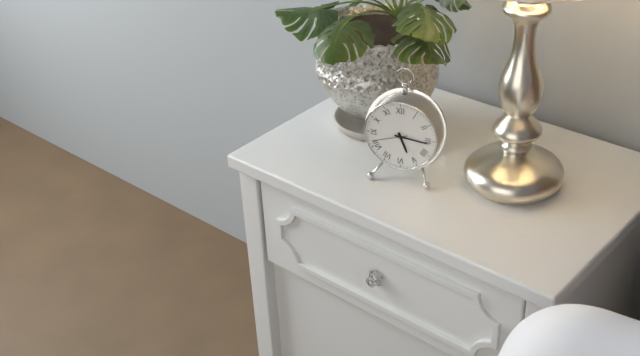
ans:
**5:16**
